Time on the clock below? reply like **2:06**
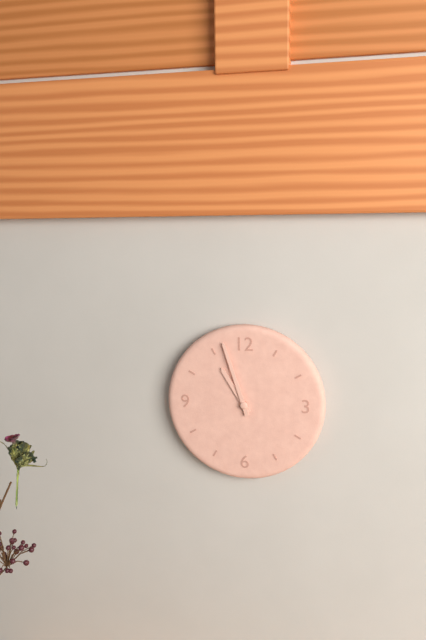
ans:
**10:57**
